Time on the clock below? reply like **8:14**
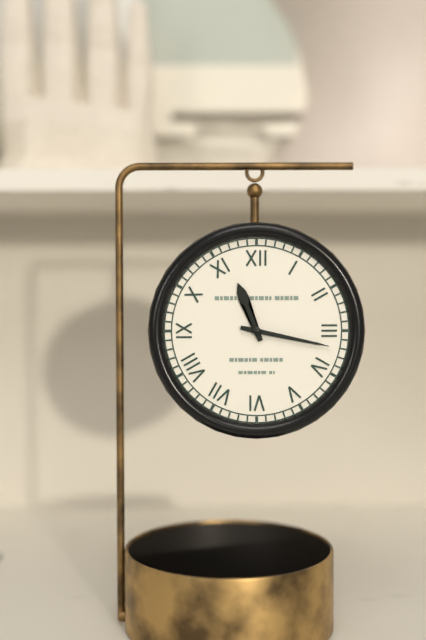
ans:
**11:17**
